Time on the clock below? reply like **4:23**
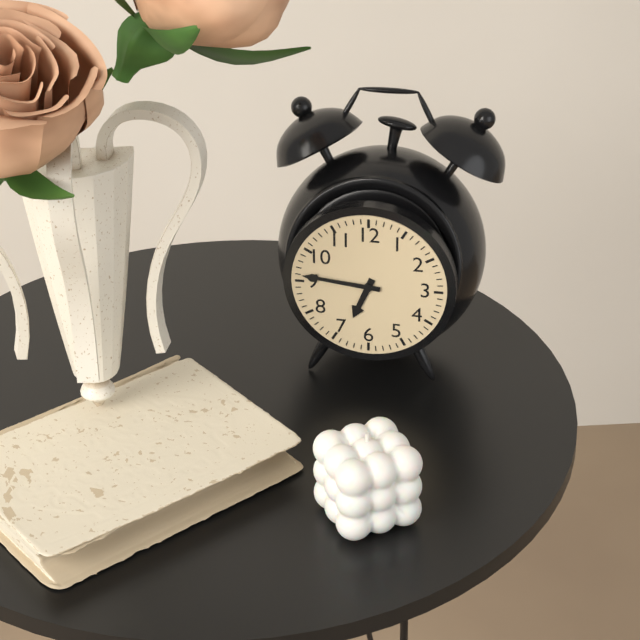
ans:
**6:46**
